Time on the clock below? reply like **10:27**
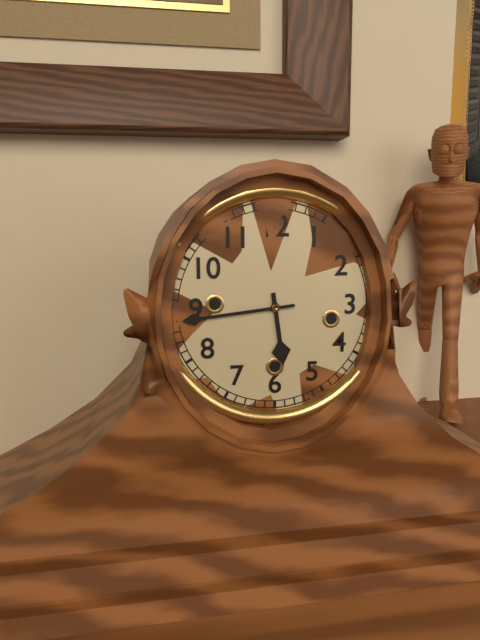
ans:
**5:44**
